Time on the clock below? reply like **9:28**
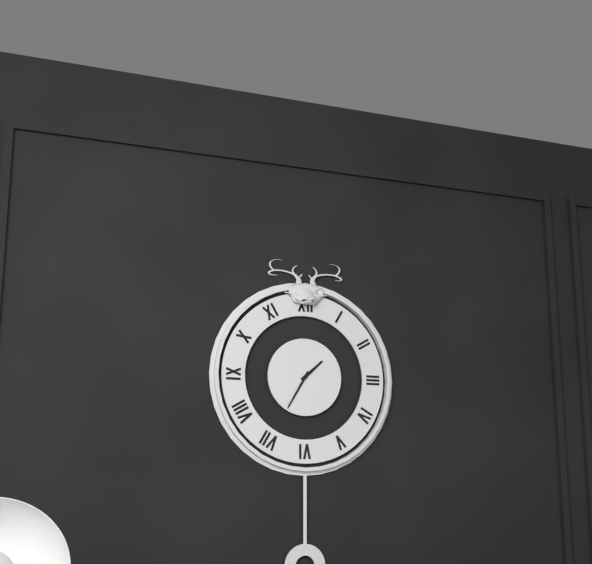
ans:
**1:35**
